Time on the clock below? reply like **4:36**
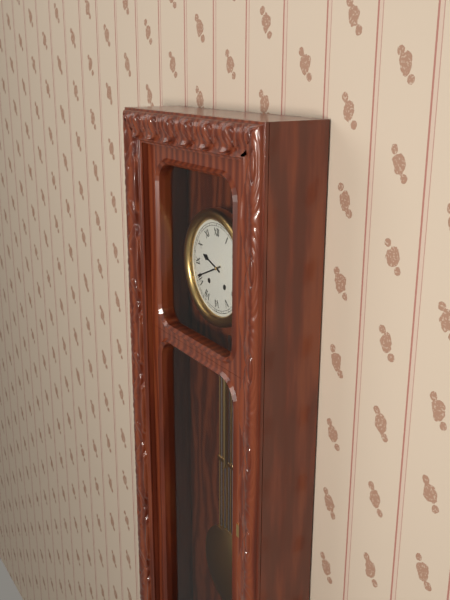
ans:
**9:41**
